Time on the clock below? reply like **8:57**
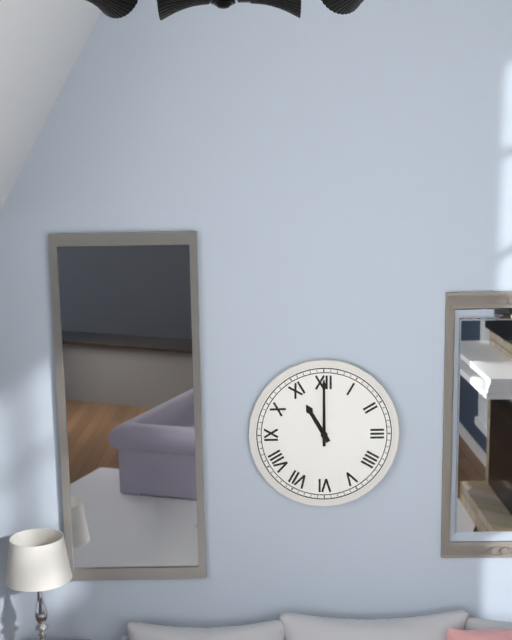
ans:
**11:00**
